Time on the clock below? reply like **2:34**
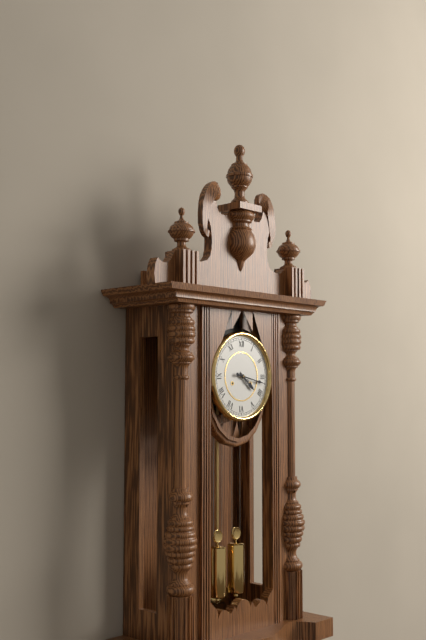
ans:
**4:17**
